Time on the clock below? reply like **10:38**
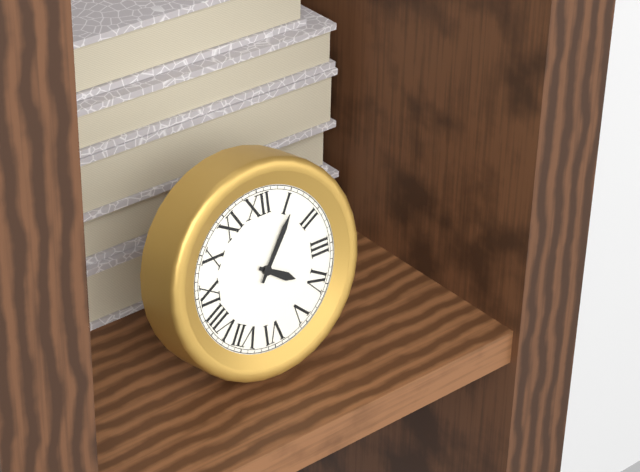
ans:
**4:06**
